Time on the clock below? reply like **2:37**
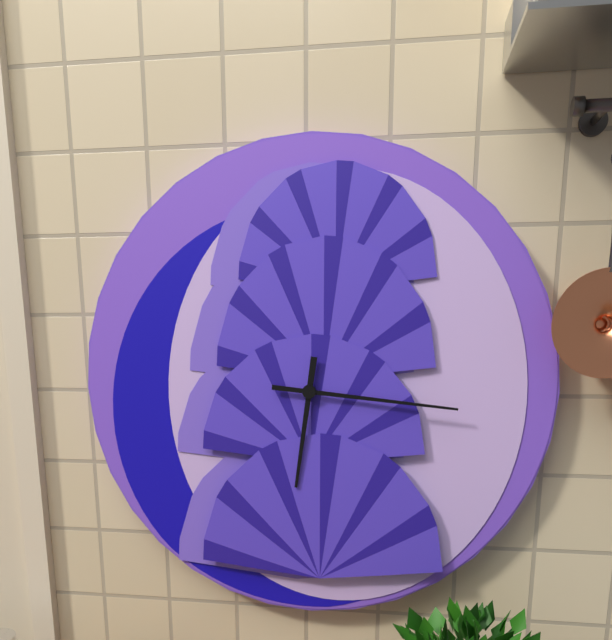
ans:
**6:16**
